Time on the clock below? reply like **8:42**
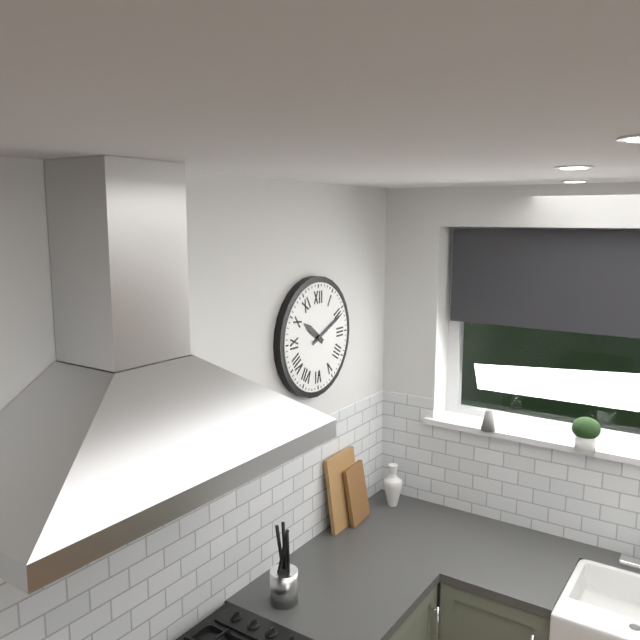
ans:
**10:11**
